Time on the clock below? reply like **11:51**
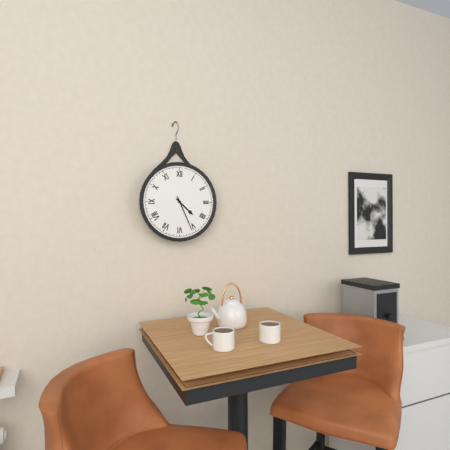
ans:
**4:26**
